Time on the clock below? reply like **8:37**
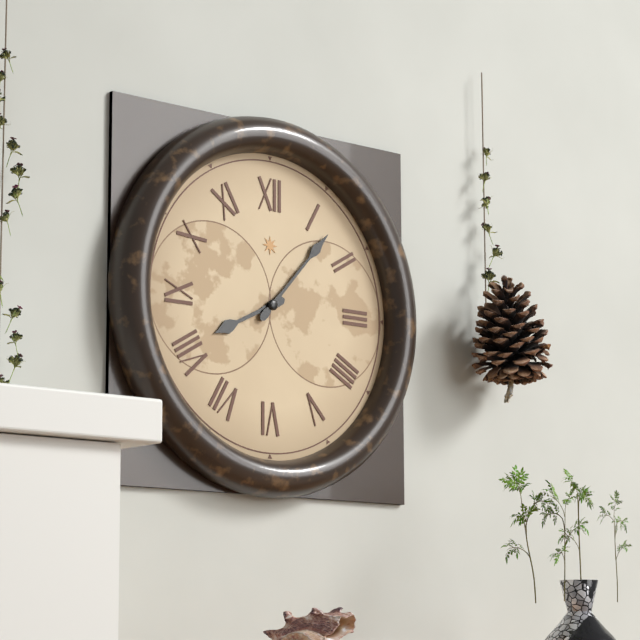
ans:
**8:07**
